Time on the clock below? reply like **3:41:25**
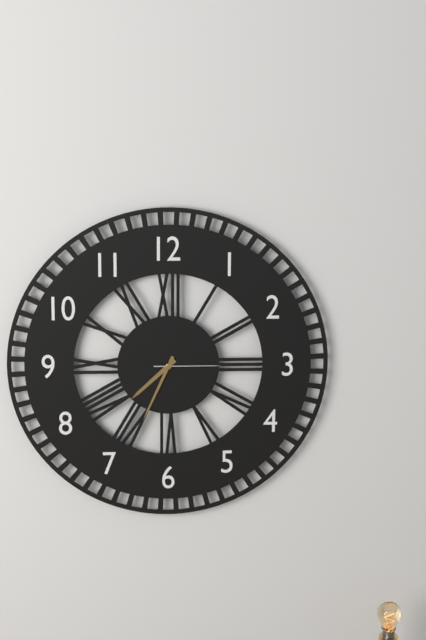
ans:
**7:34:15**
